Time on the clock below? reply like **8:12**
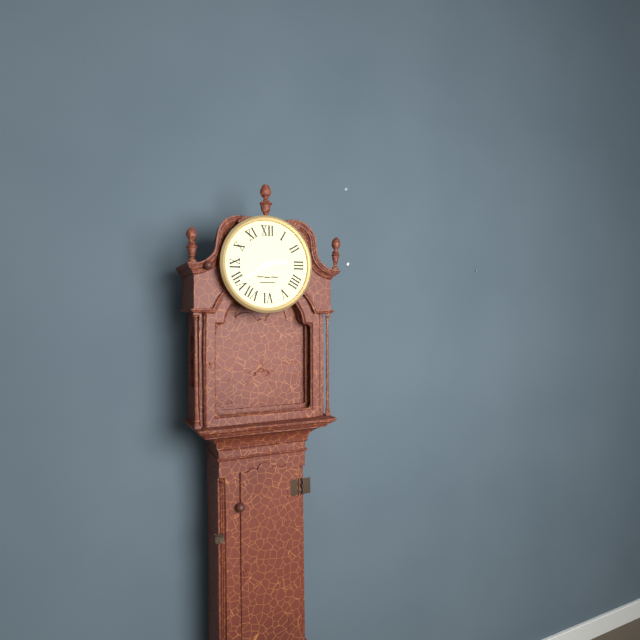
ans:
**2:40**
